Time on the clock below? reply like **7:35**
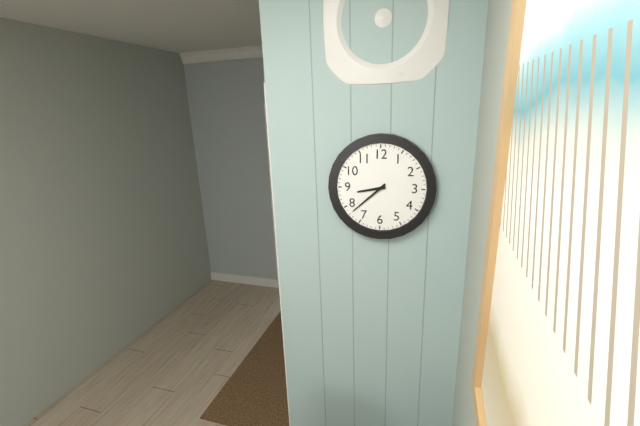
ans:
**8:38**
